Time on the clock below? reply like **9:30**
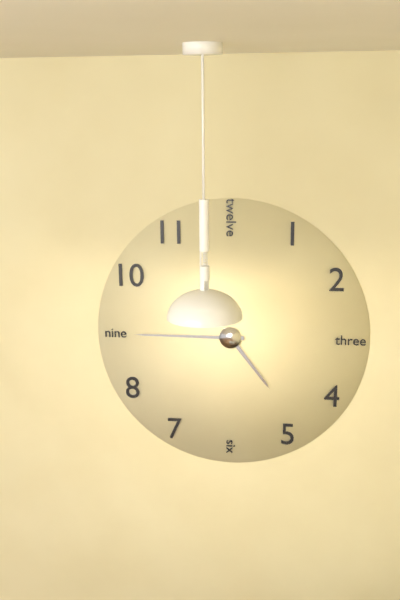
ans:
**4:45**
